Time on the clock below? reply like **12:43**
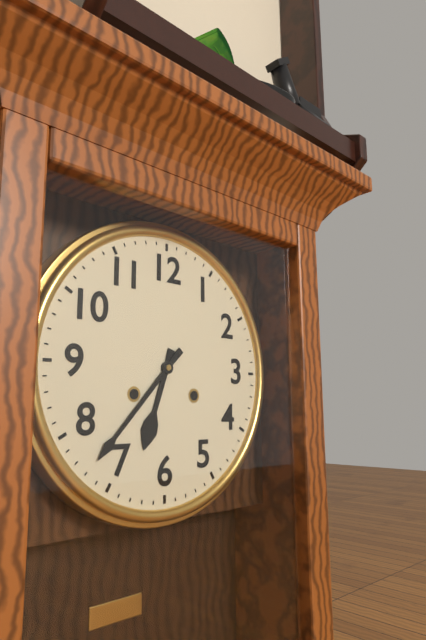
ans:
**6:37**
